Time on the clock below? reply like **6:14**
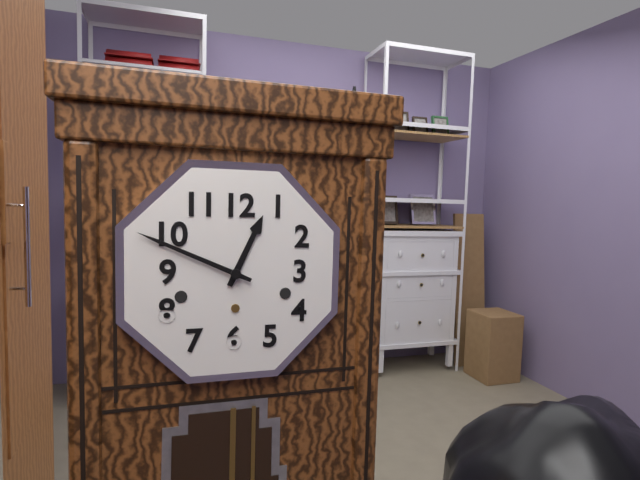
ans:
**12:49**
